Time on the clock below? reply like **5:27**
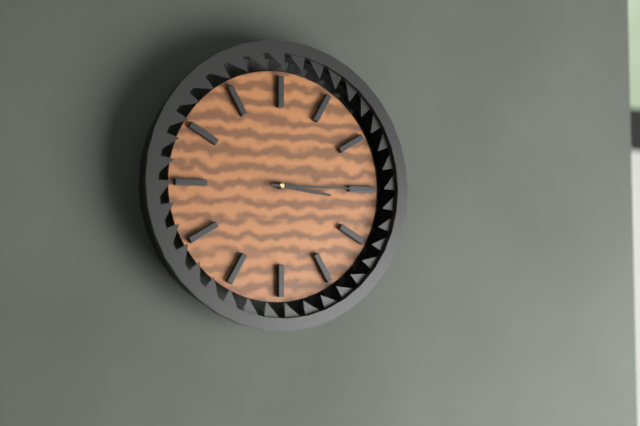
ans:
**3:15**
